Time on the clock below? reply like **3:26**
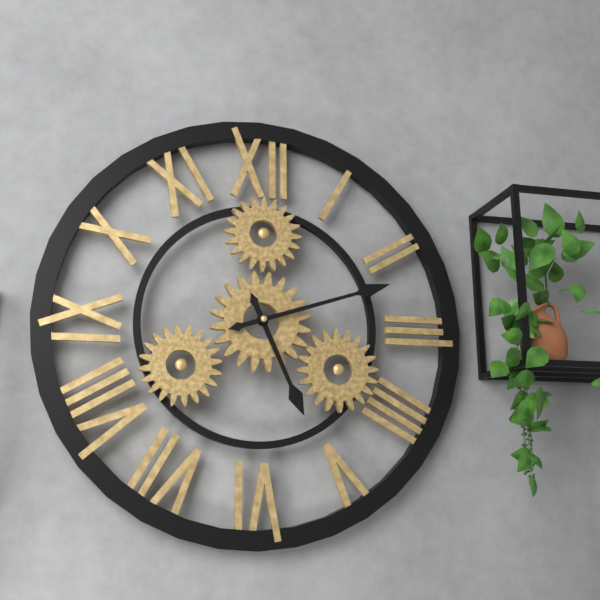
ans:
**5:12**
